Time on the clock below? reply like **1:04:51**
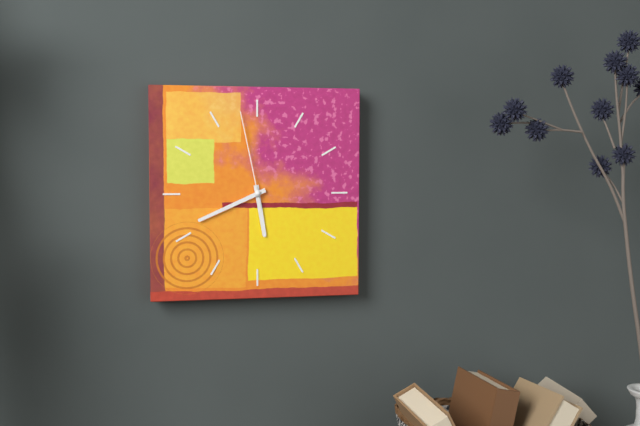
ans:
**5:41:58**
